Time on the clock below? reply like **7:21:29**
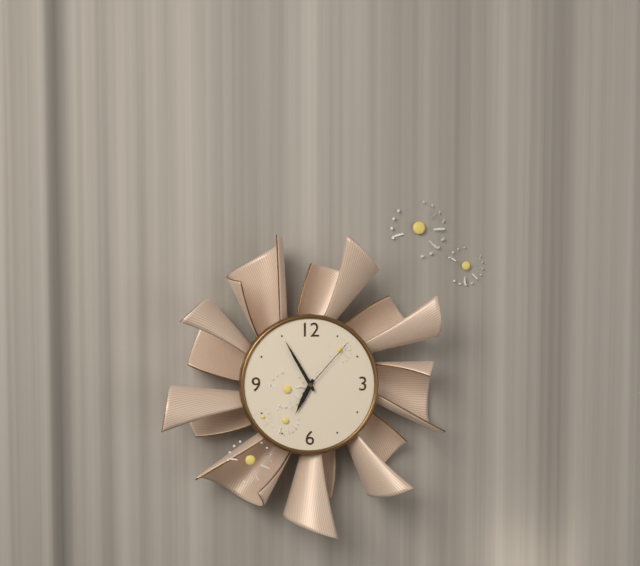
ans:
**6:55:07**
